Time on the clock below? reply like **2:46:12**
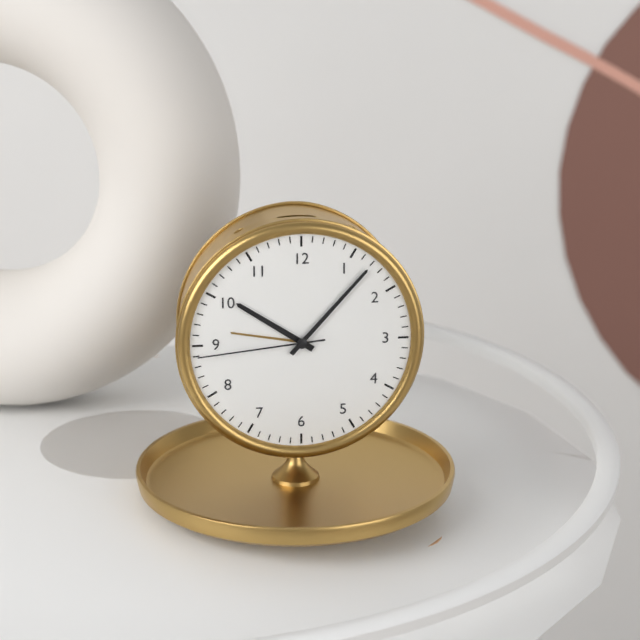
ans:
**10:07:44**
